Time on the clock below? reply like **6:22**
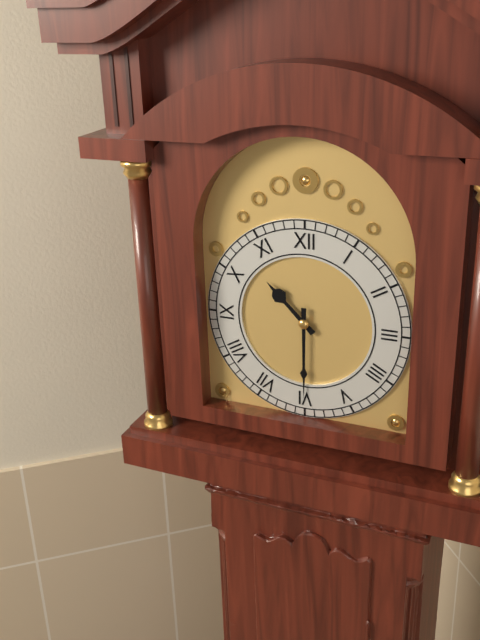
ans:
**10:30**
